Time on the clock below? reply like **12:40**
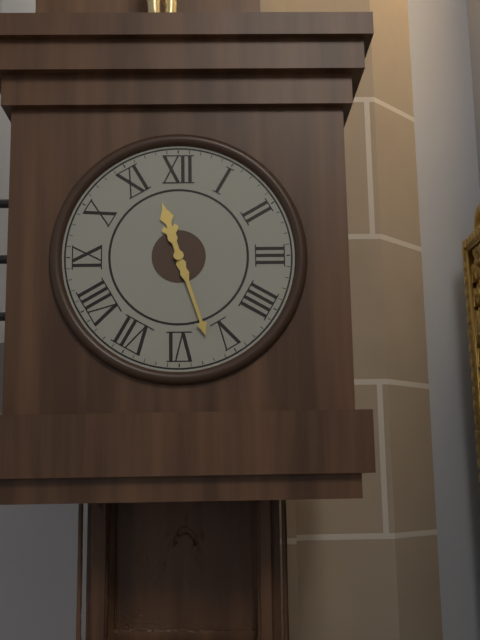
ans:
**11:27**
